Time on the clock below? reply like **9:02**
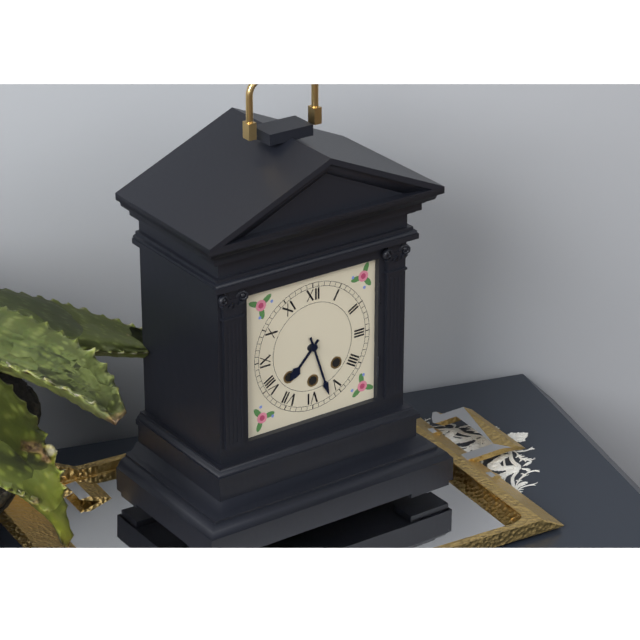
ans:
**7:27**
